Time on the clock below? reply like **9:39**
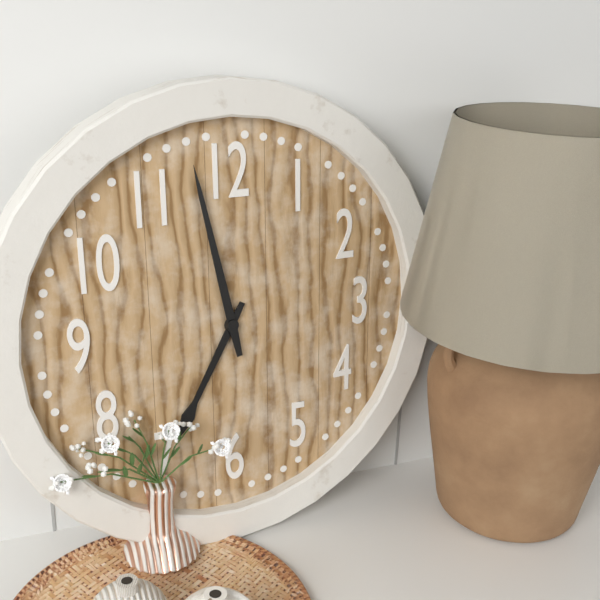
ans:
**6:58**
